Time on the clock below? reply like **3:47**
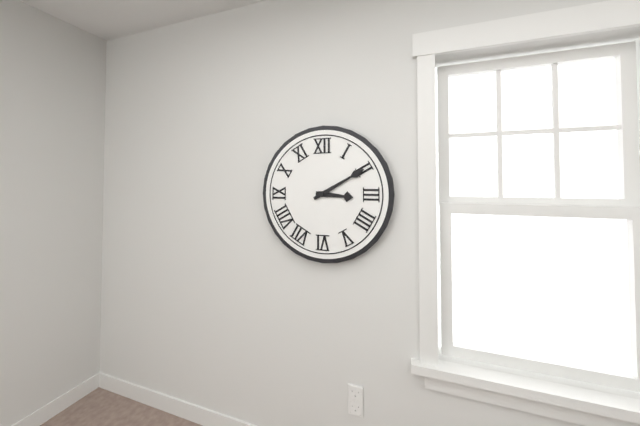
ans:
**3:10**
